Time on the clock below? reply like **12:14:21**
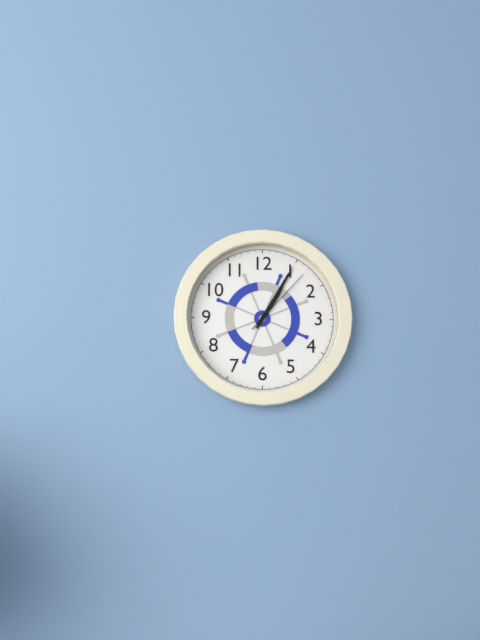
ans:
**1:05:07**
